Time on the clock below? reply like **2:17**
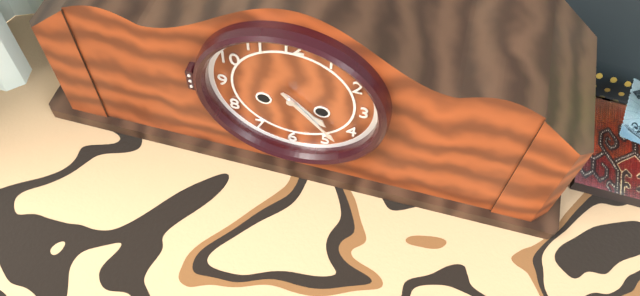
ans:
**4:23**
